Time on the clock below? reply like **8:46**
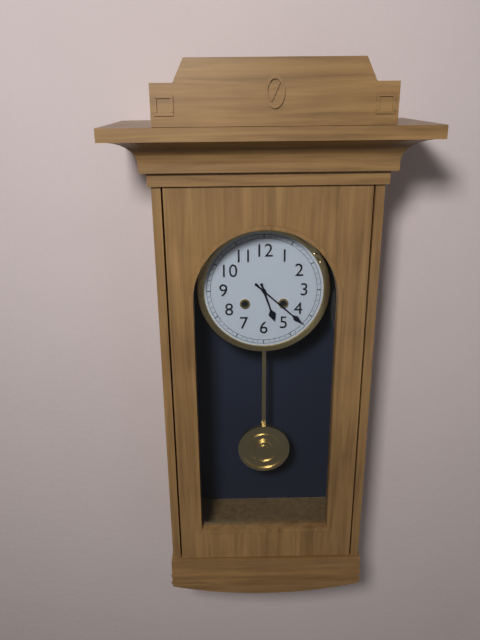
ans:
**5:22**
